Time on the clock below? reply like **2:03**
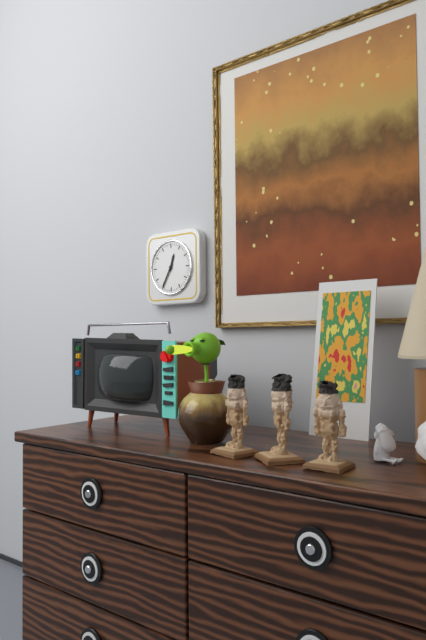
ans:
**12:35**
